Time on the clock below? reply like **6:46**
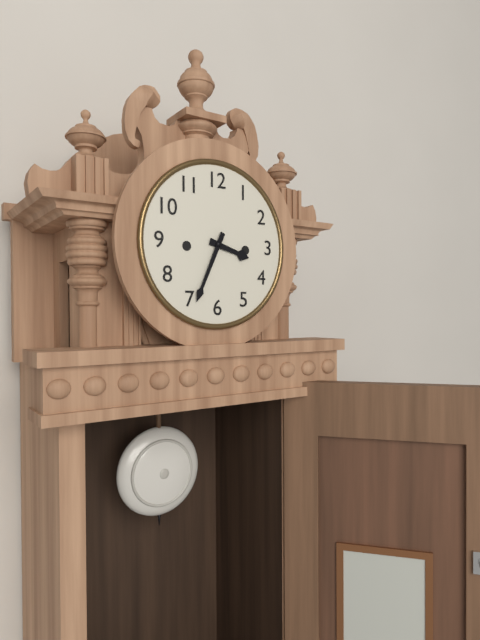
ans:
**3:34**
